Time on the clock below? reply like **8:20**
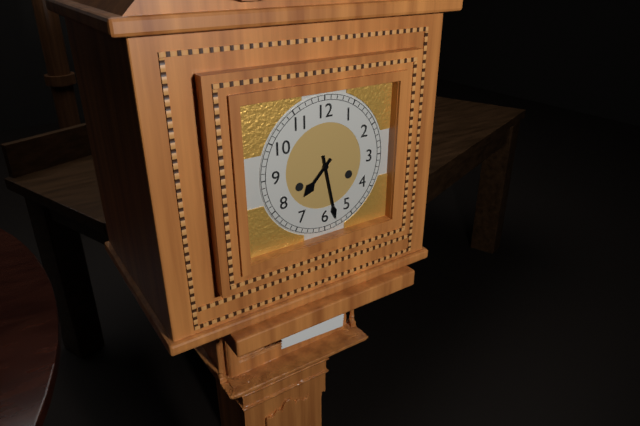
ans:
**7:28**
